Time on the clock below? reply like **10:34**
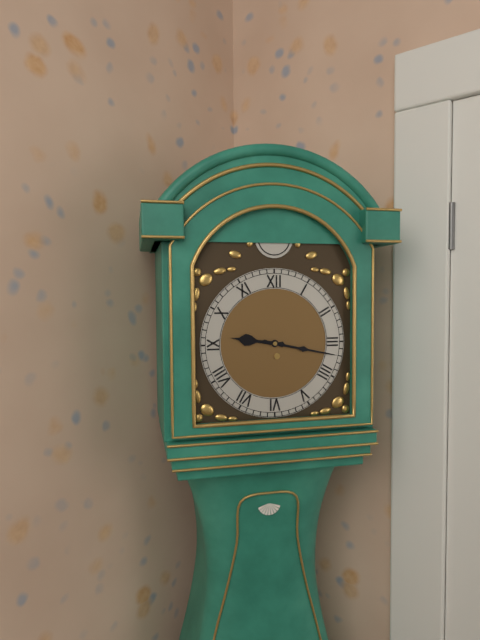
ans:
**9:17**
